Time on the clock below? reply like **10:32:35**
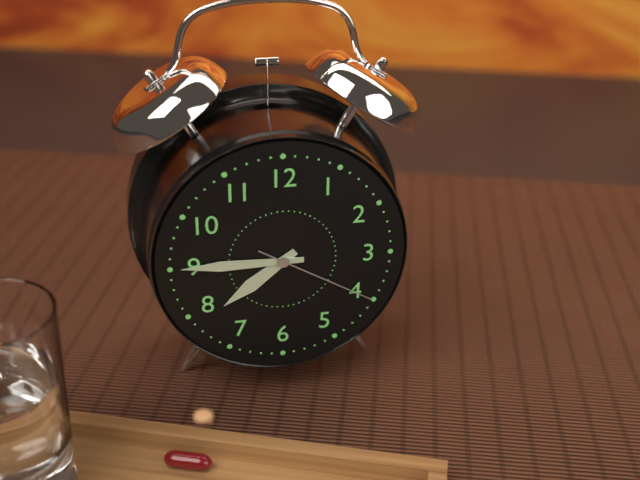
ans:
**7:45:20**
